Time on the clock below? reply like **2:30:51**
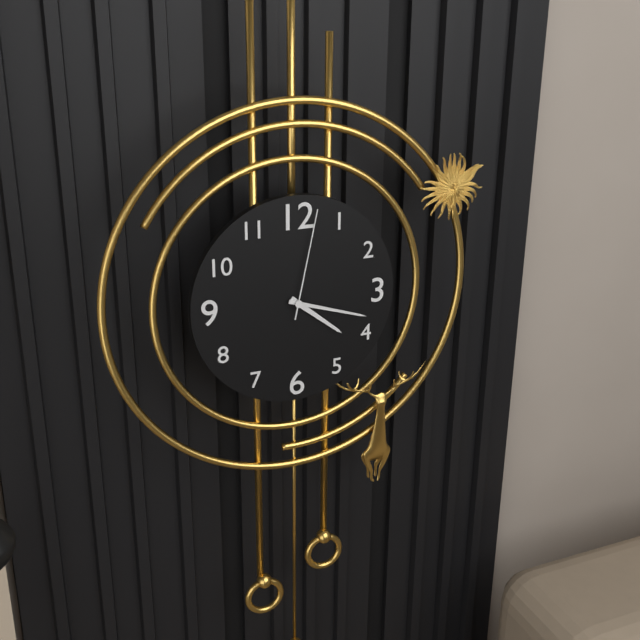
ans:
**4:18:02**
